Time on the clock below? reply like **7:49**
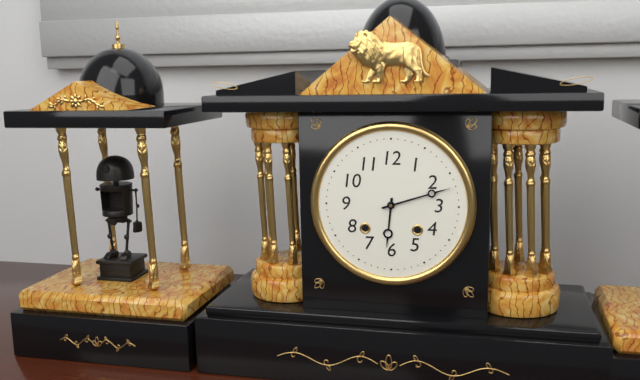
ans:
**6:12**
